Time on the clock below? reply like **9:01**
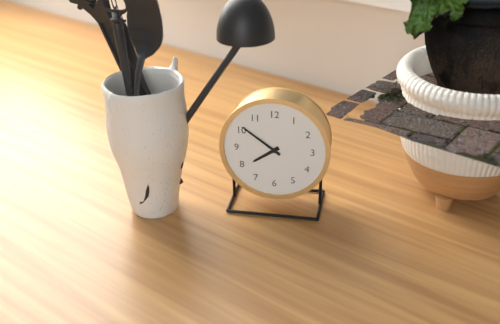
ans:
**7:51**
